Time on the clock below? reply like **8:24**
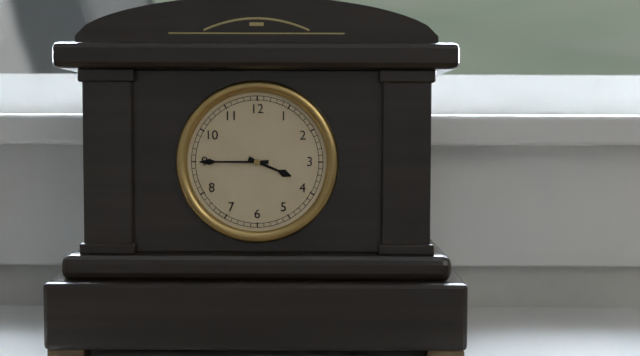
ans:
**3:45**
